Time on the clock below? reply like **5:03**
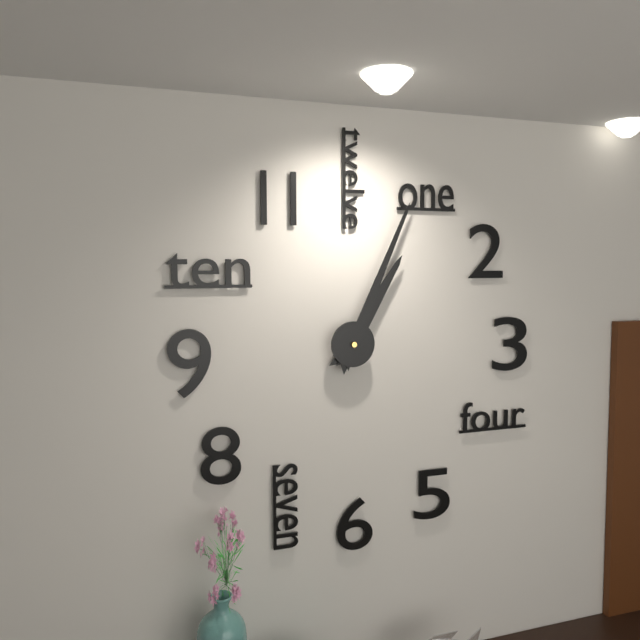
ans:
**1:04**
